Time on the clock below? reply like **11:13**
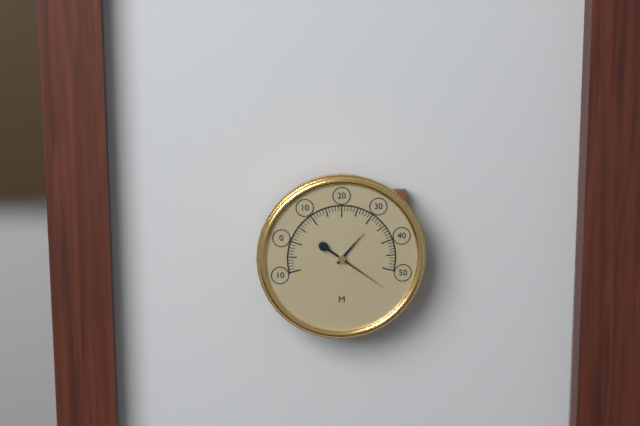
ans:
**1:21**
